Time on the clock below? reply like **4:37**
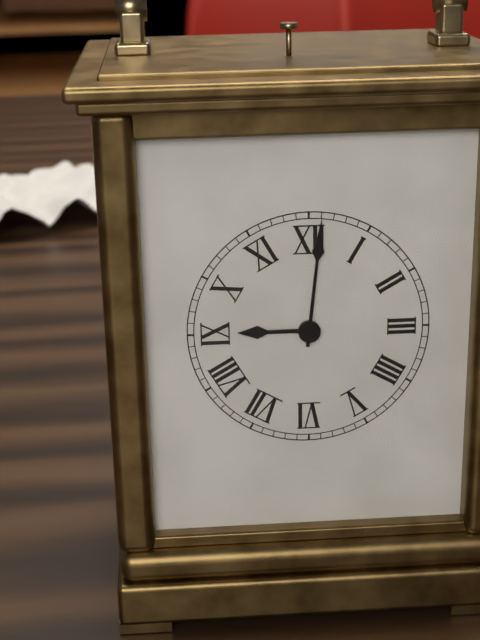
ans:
**9:01**
